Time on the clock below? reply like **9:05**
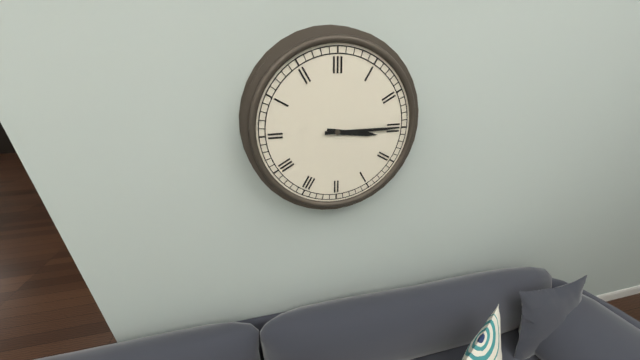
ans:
**3:15**
